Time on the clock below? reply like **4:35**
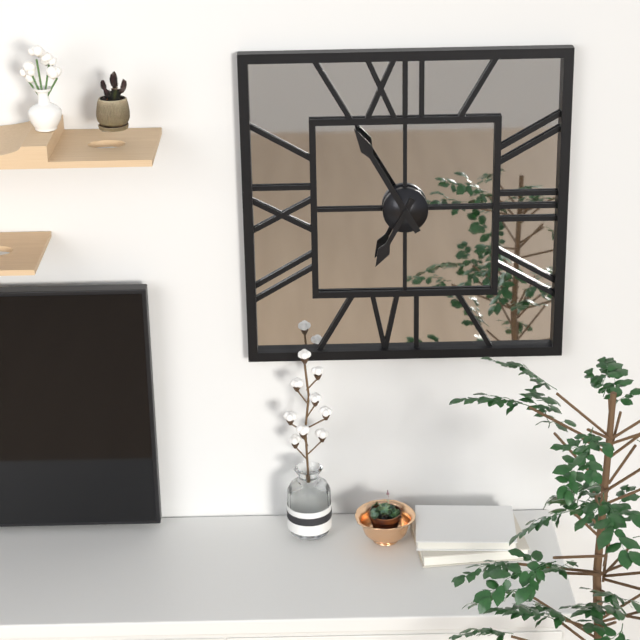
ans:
**6:55**
